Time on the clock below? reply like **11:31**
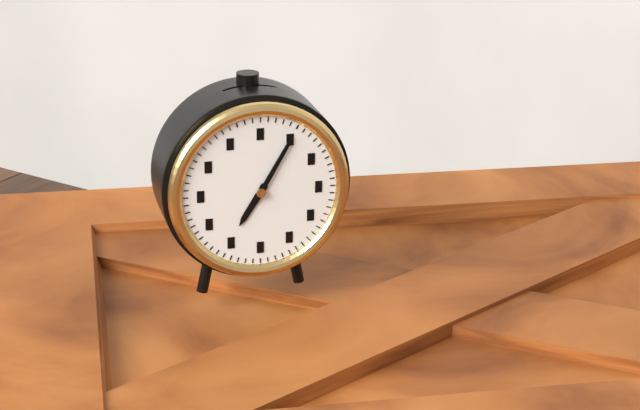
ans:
**7:05**
